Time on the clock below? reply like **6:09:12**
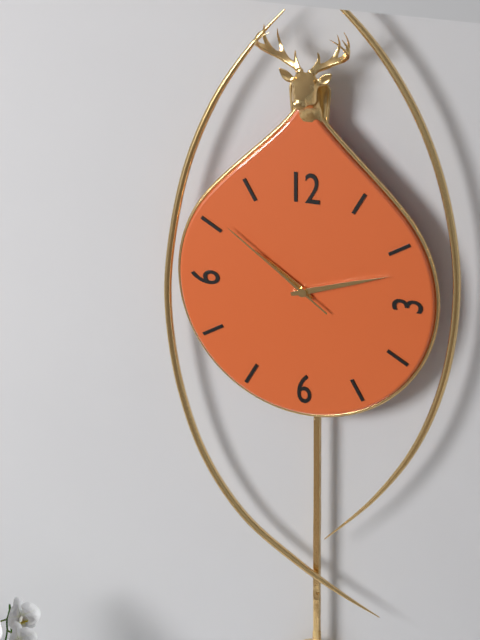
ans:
**10:12:51**
